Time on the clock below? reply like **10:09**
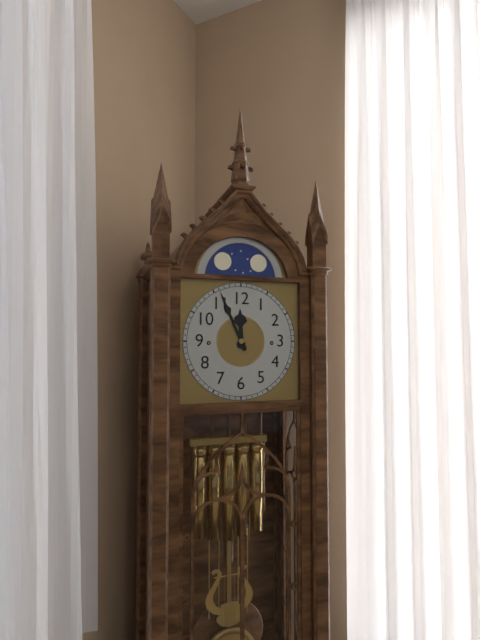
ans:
**11:56**
